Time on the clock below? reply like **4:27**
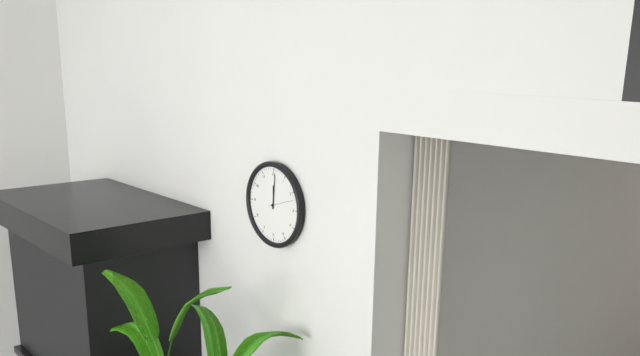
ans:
**12:01**
